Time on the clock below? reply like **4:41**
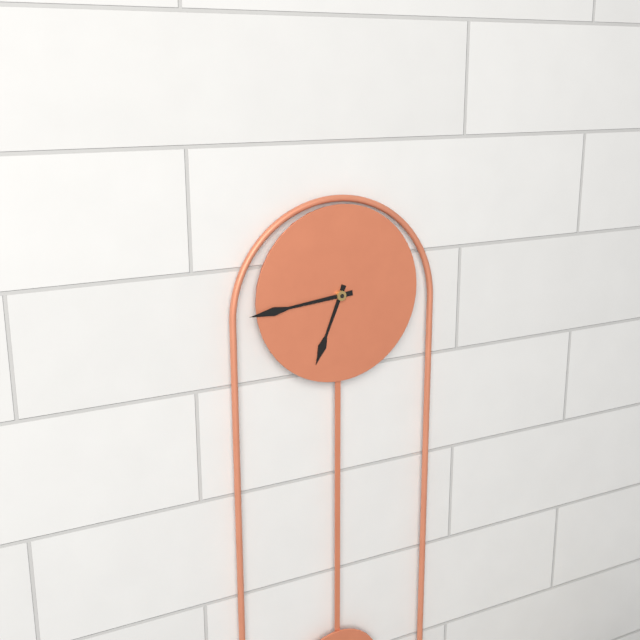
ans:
**6:44**
